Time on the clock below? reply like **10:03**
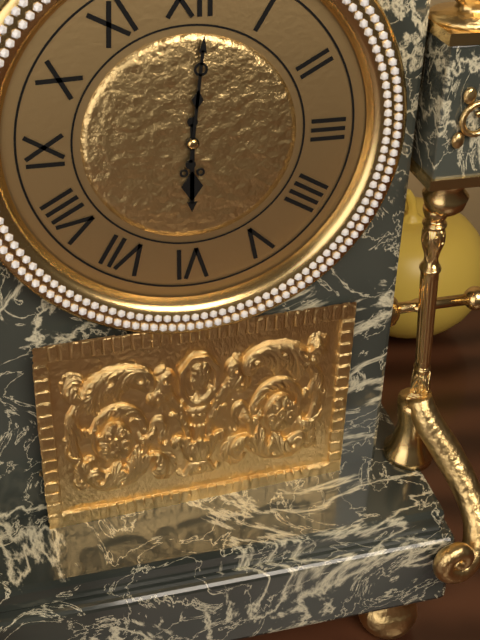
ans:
**6:01**
